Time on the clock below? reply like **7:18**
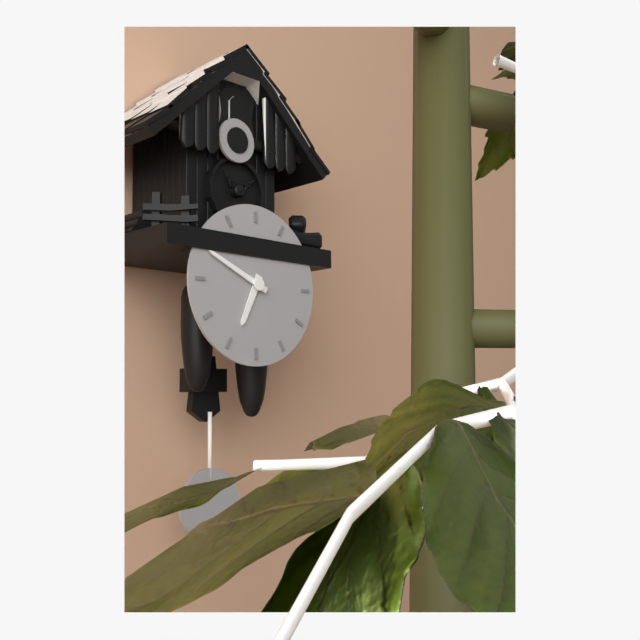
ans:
**6:49**
